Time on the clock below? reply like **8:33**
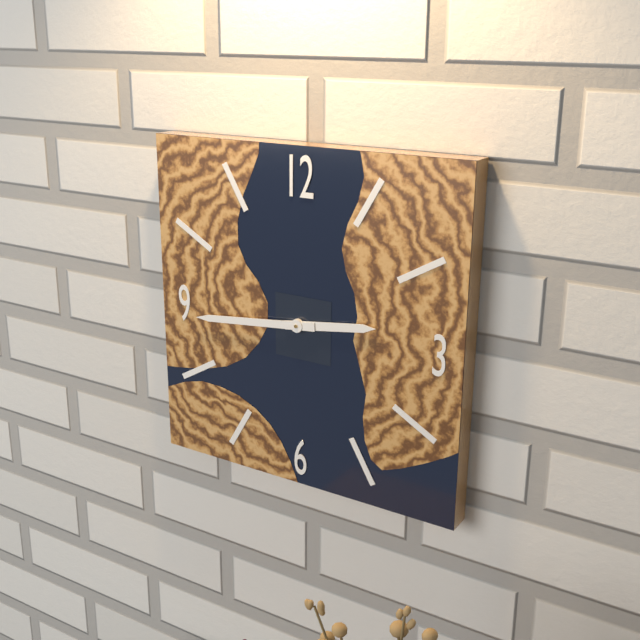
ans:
**2:44**
